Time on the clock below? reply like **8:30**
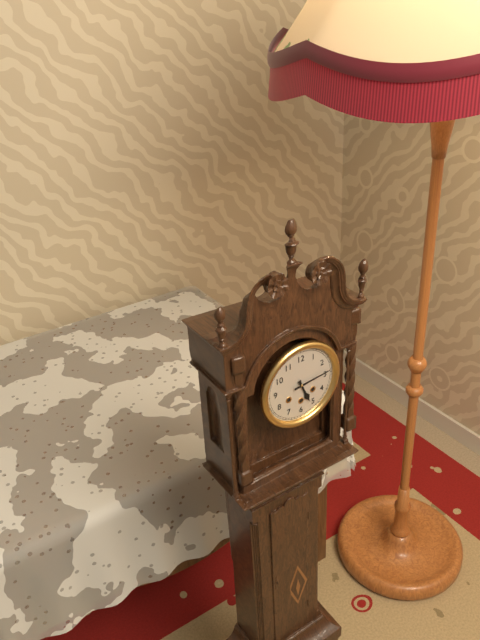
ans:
**5:14**
